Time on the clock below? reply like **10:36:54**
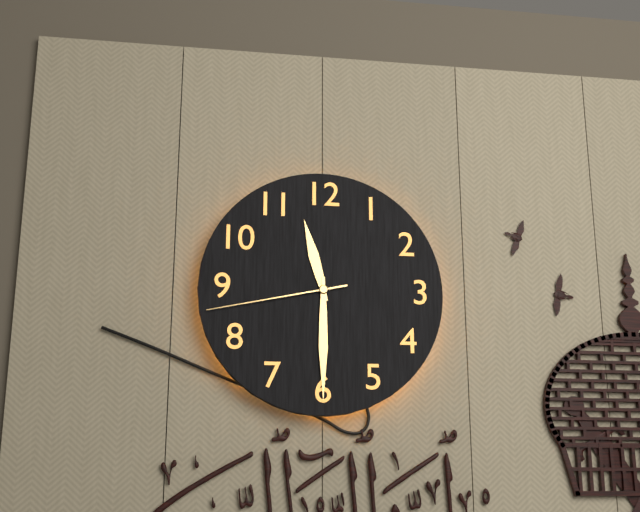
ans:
**11:30:43**
